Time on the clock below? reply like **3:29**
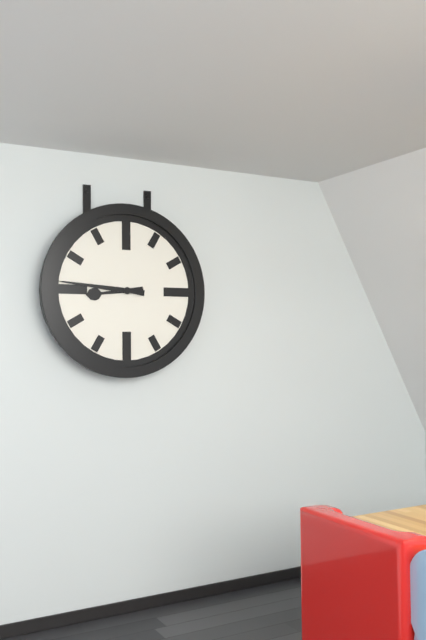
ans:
**8:46**
